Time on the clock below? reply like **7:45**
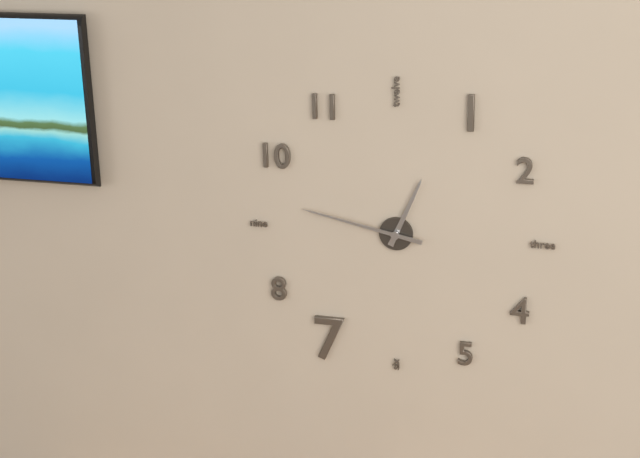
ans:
**12:47**
